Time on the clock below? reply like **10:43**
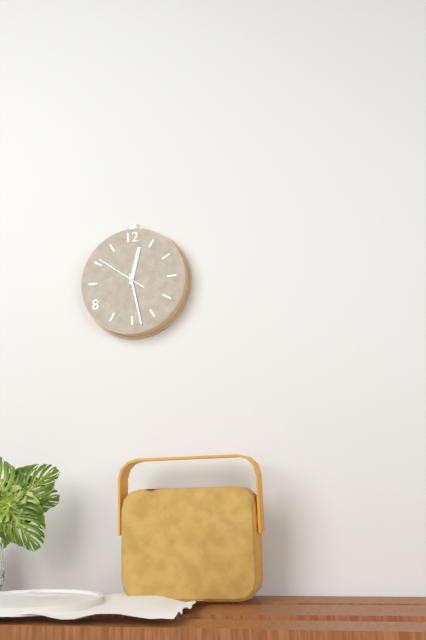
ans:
**12:28**
